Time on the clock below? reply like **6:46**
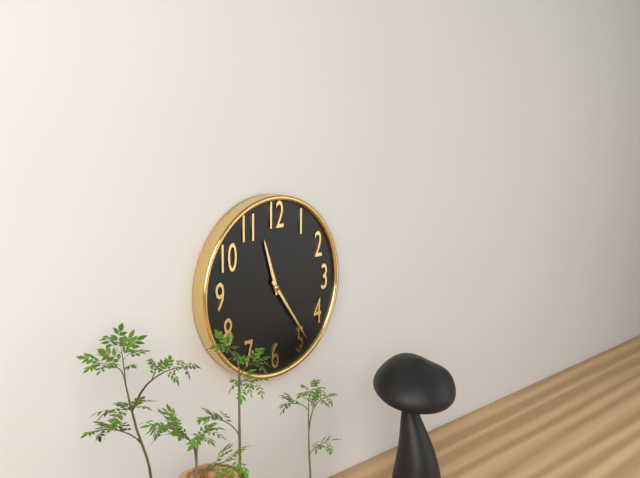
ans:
**11:24**
